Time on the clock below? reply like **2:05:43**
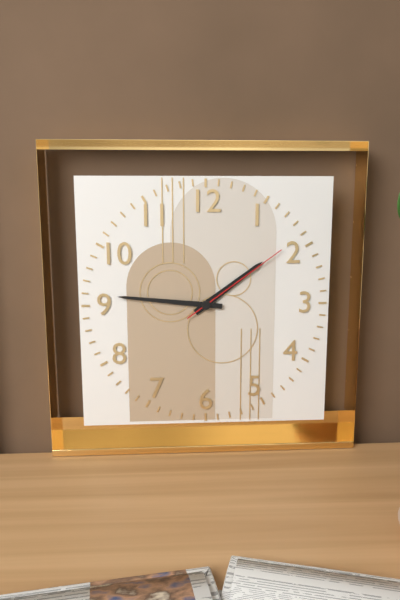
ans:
**1:46:09**
